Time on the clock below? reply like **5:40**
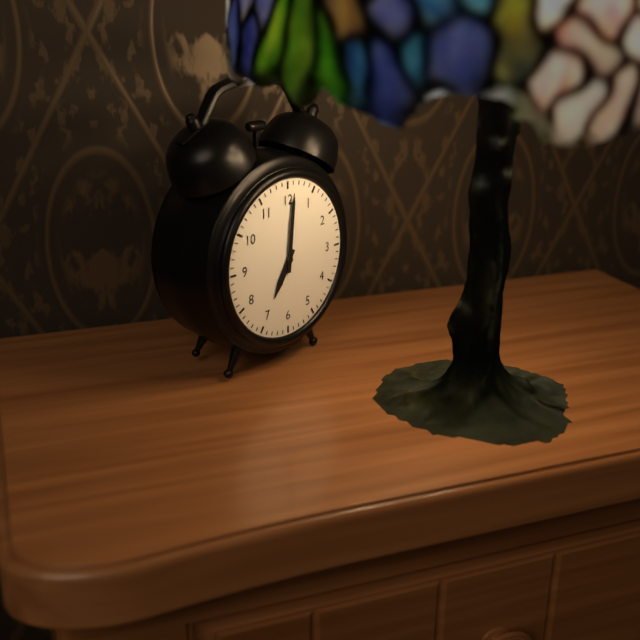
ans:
**7:01**
